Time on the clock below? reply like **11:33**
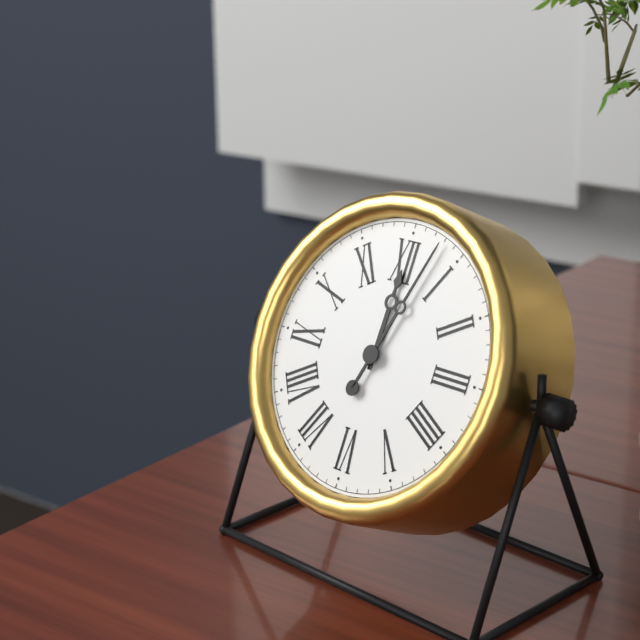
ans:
**12:03**
